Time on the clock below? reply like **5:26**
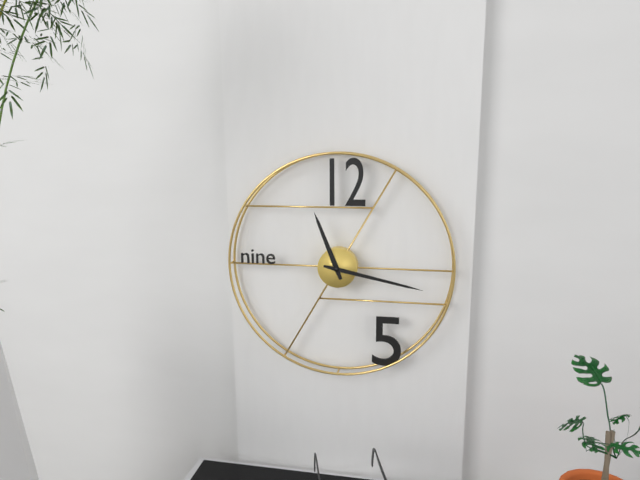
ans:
**11:17**
